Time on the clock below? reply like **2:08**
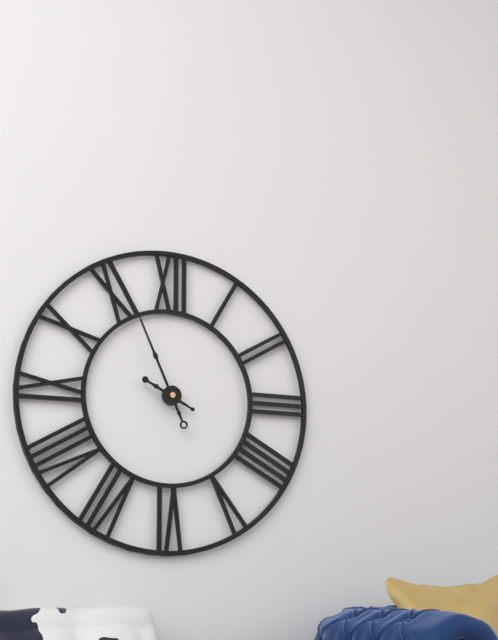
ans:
**9:56**
